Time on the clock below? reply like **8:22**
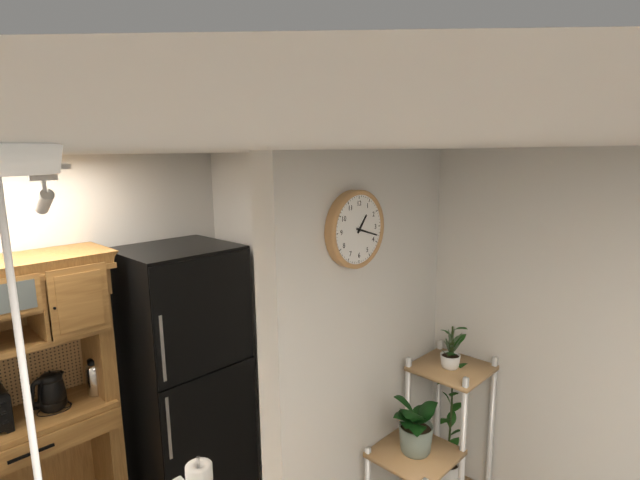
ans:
**1:18**
